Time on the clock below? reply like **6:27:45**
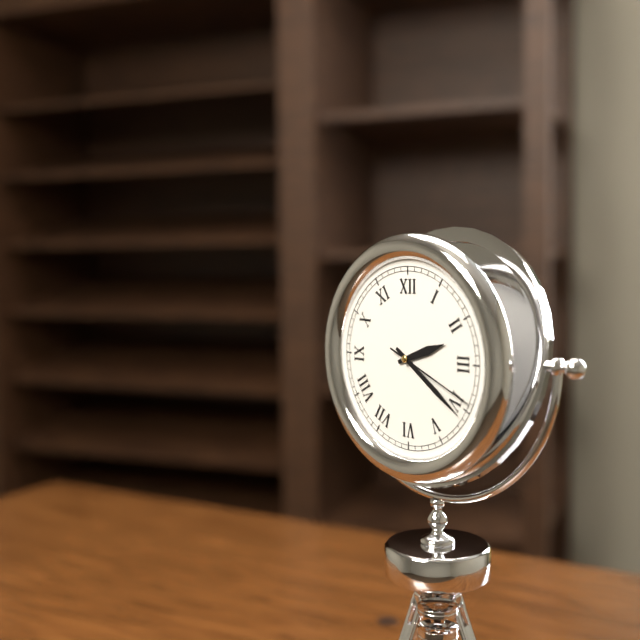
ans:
**2:21:19**
